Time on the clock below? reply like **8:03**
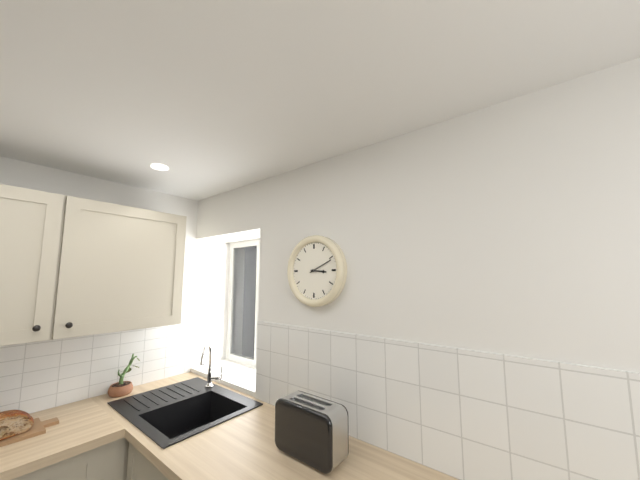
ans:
**3:11**
